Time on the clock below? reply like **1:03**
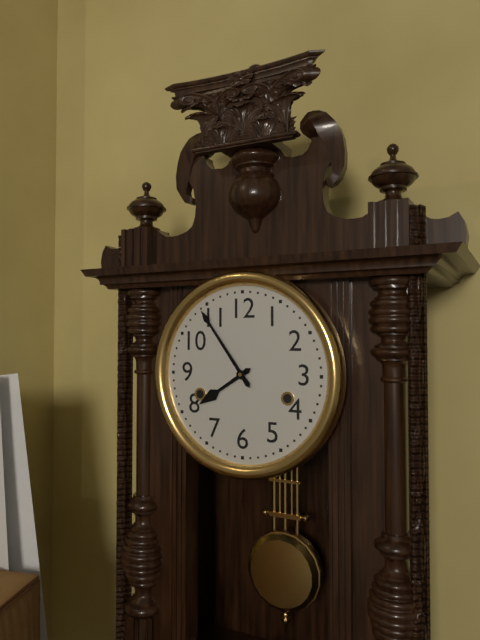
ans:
**7:54**
